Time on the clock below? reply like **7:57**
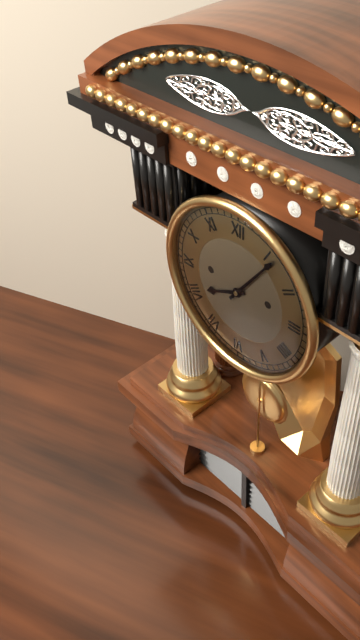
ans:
**8:06**
